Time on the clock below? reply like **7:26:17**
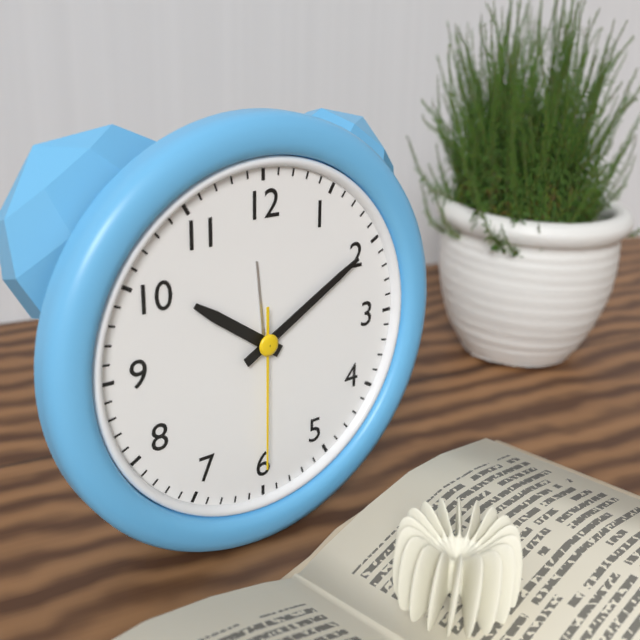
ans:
**10:10:30**
